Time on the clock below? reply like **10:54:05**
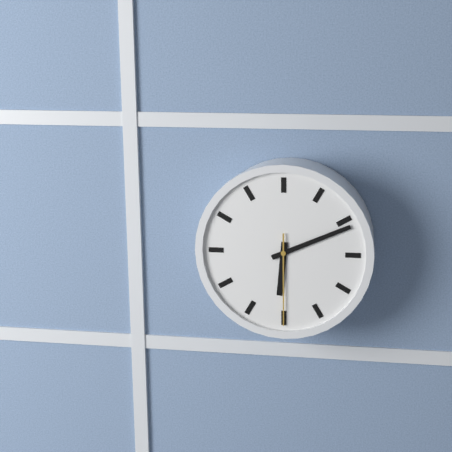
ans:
**6:11:30**
